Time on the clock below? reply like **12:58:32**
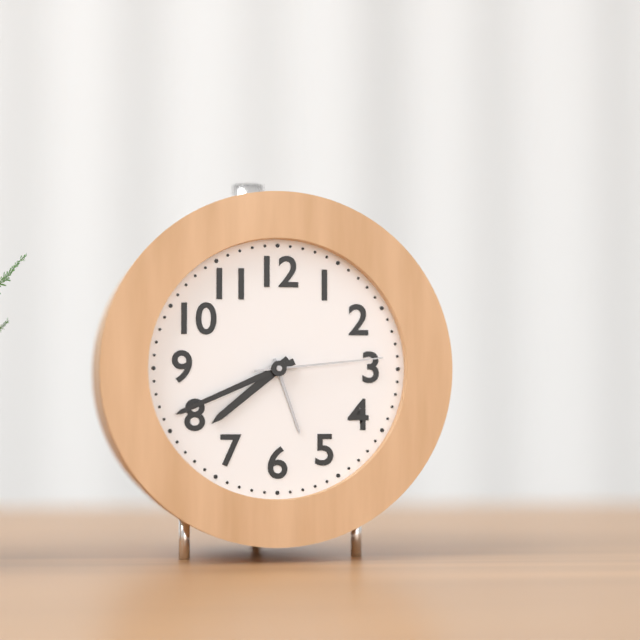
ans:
**7:41:14**
